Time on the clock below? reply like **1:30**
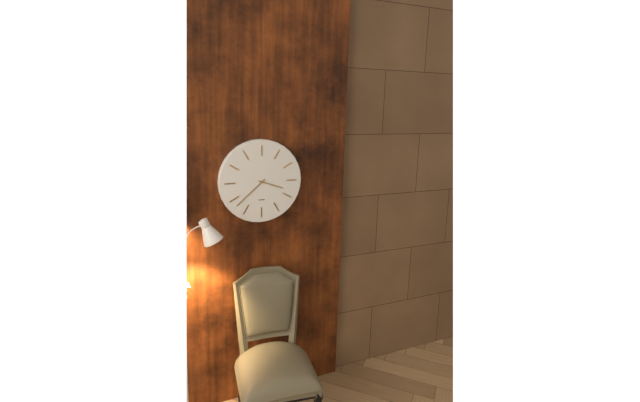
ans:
**3:38**
